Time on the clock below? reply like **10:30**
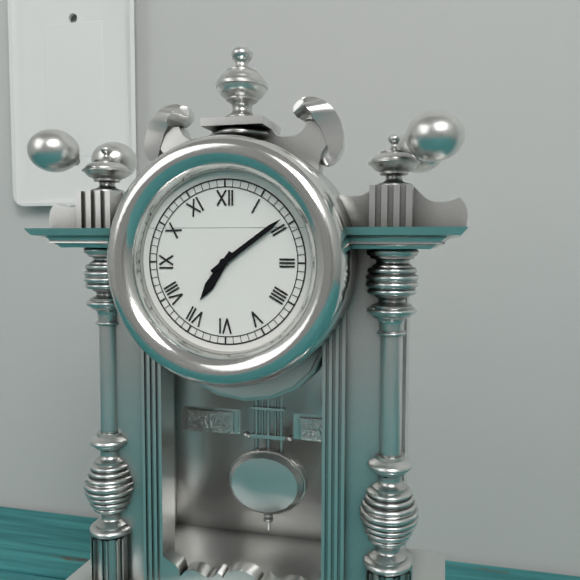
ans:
**7:09**
